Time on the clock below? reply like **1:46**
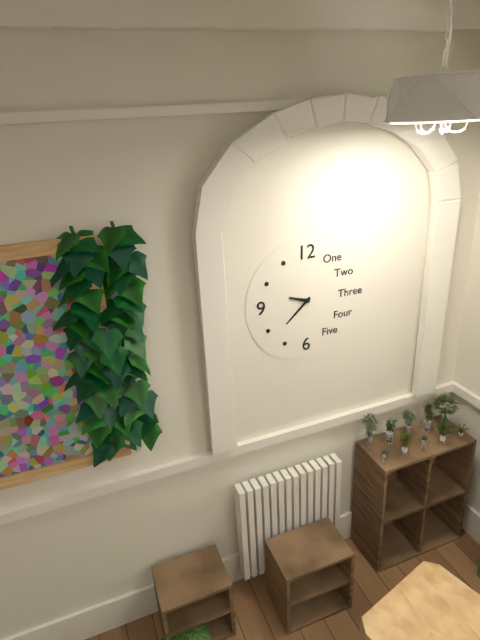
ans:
**9:38**
